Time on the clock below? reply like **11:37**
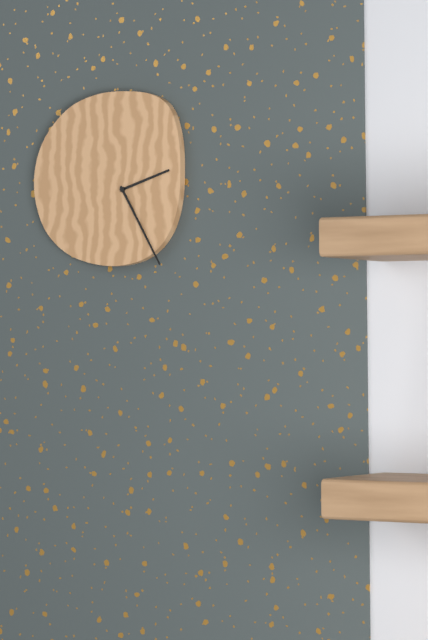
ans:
**2:25**
